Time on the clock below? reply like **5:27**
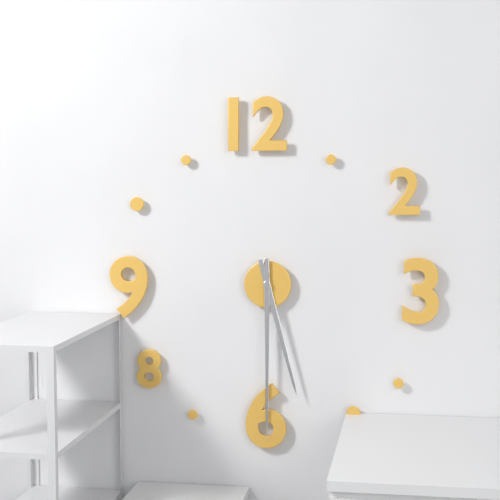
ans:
**5:30**
